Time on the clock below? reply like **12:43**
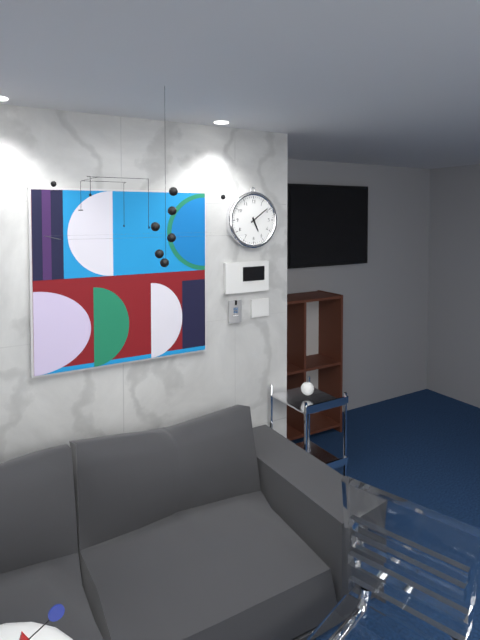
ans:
**5:09**
